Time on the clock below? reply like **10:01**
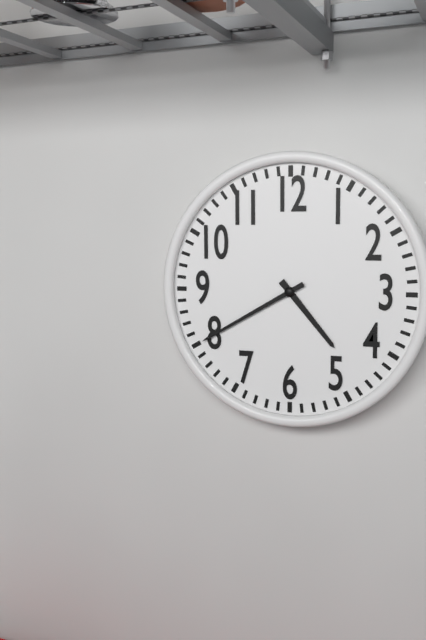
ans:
**4:40**
